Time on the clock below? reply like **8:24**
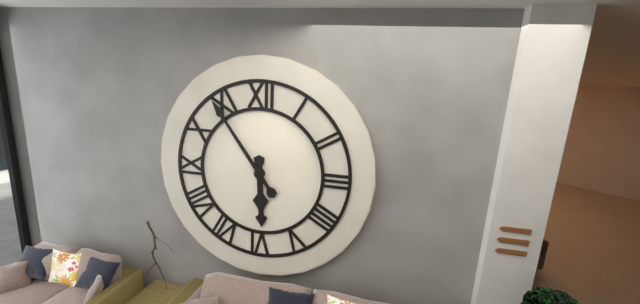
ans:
**5:54**
